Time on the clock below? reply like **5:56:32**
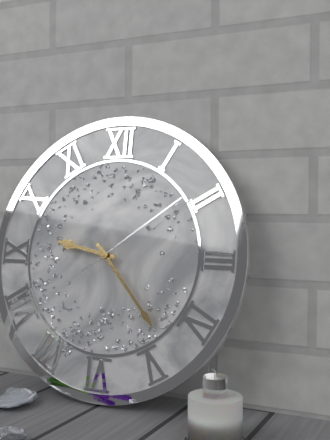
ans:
**9:23:09**
